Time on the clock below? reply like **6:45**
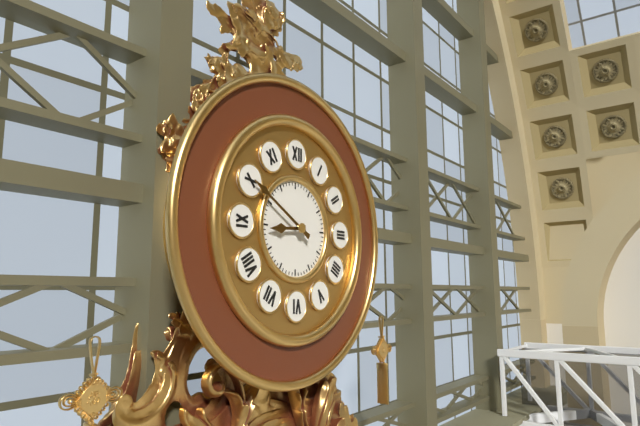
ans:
**8:50**
